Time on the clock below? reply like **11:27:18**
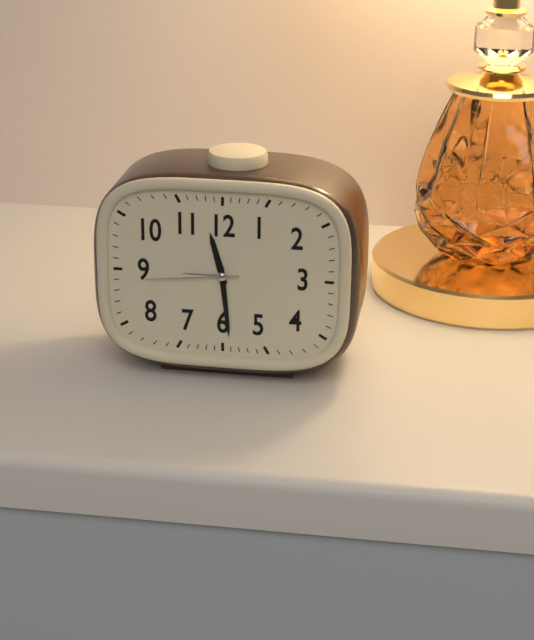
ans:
**11:29:44**
